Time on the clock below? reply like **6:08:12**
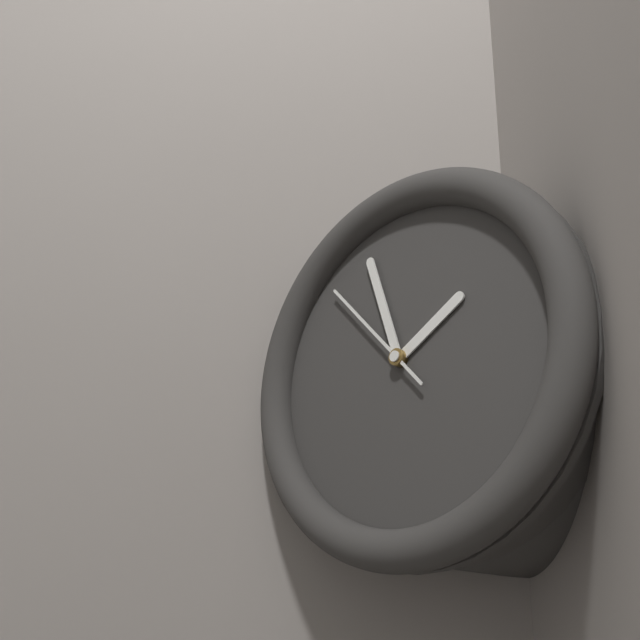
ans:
**1:57:53**
